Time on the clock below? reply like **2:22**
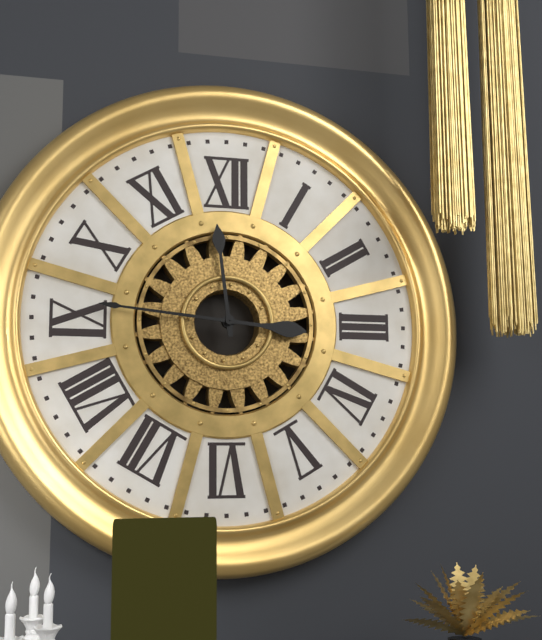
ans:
**11:46**
